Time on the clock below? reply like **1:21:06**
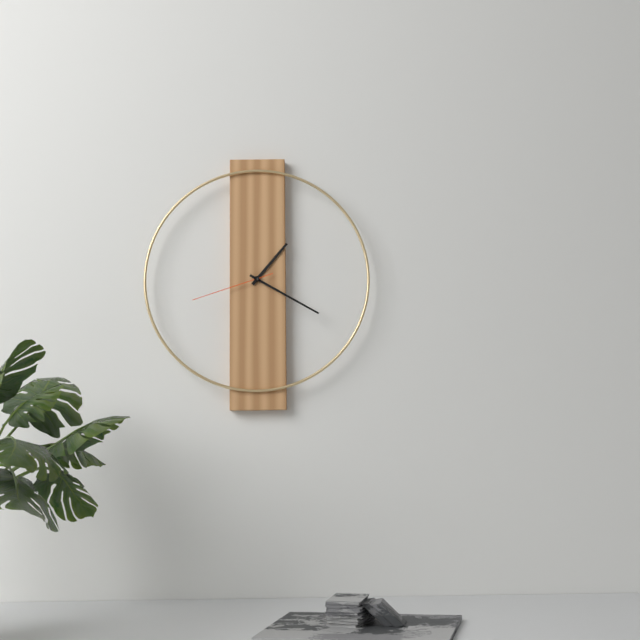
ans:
**1:20:42**
